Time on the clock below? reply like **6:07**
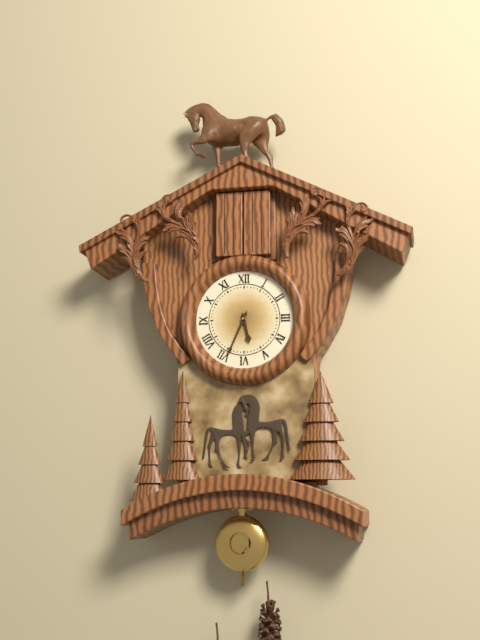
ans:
**5:34**
